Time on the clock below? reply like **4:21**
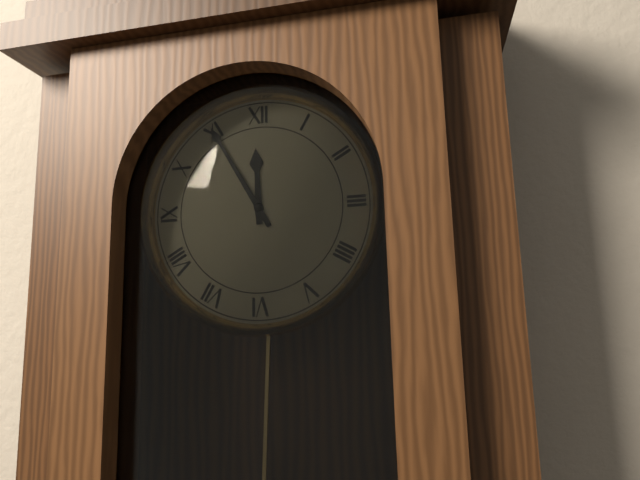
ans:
**11:55**
